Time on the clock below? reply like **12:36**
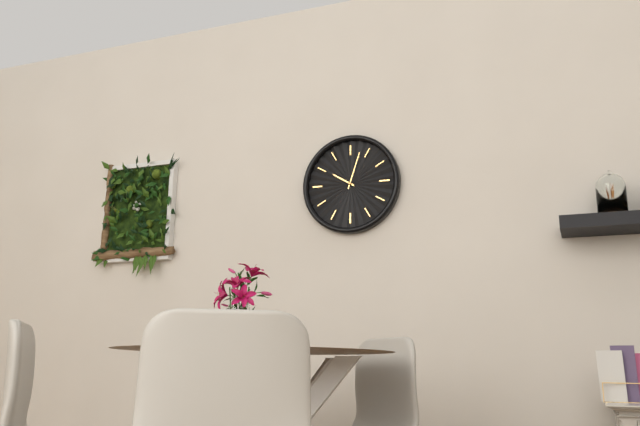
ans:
**10:03**
